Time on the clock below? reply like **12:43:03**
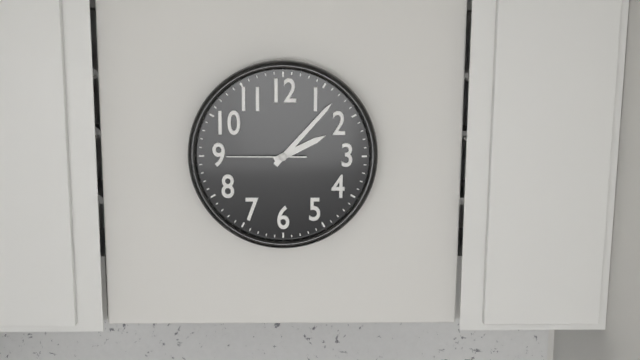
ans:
**2:07:45**
